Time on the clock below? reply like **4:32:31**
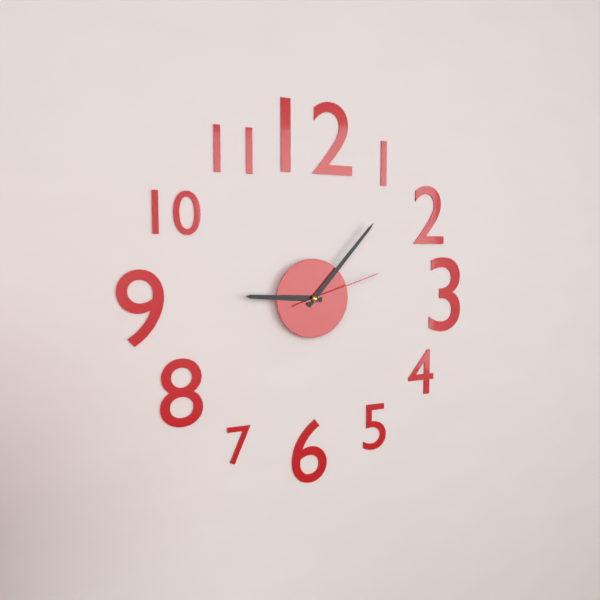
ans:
**9:07:12**
